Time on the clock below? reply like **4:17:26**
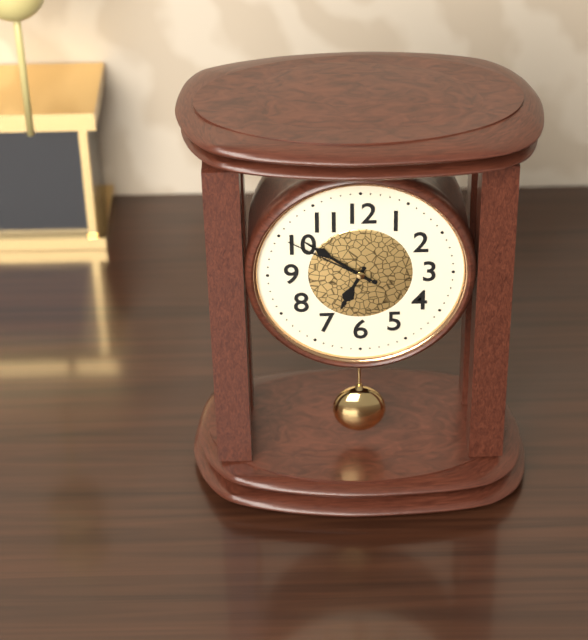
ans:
**6:51:50**
